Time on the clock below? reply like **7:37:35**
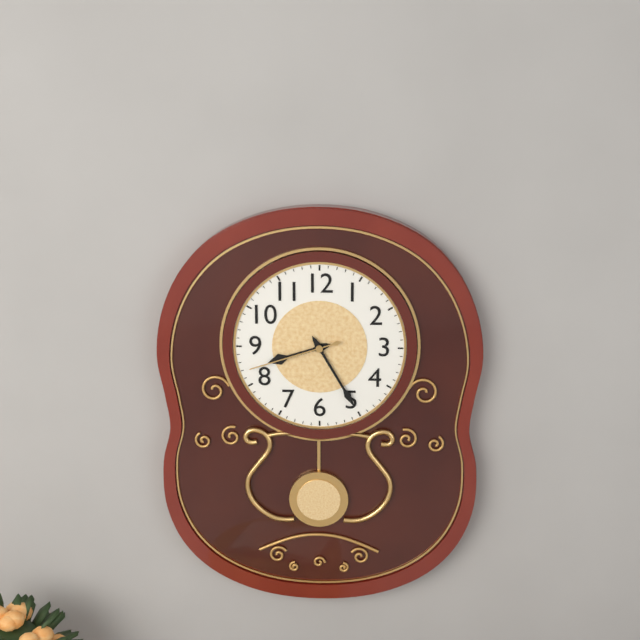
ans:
**8:25:42**
